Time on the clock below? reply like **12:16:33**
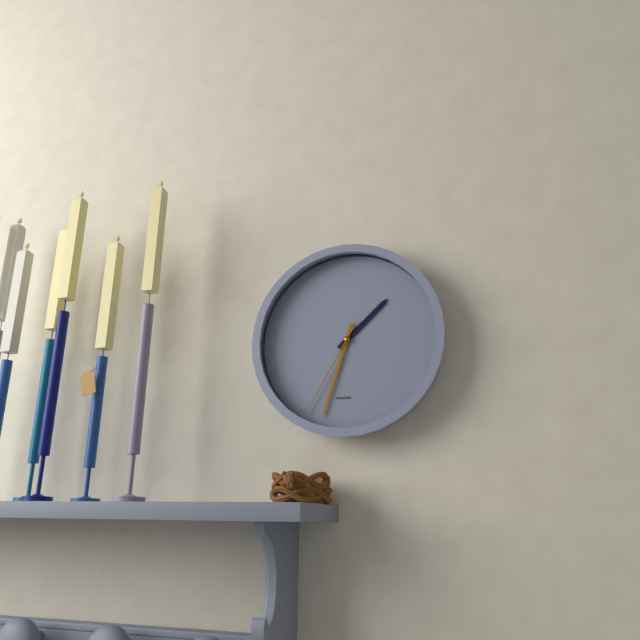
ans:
**1:33:35**
